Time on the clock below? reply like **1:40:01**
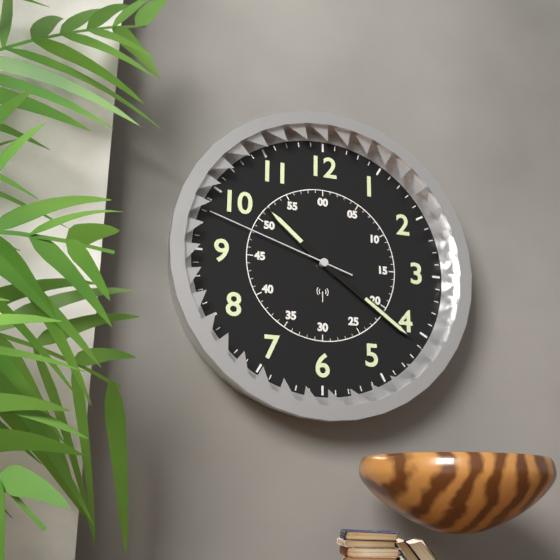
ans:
**10:21:48**
